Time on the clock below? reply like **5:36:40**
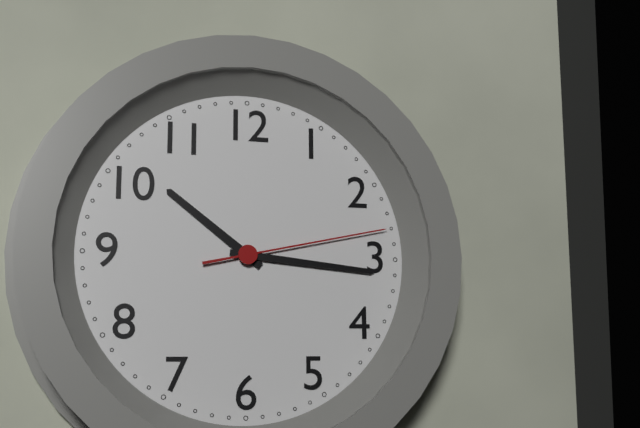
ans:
**10:16:13**
